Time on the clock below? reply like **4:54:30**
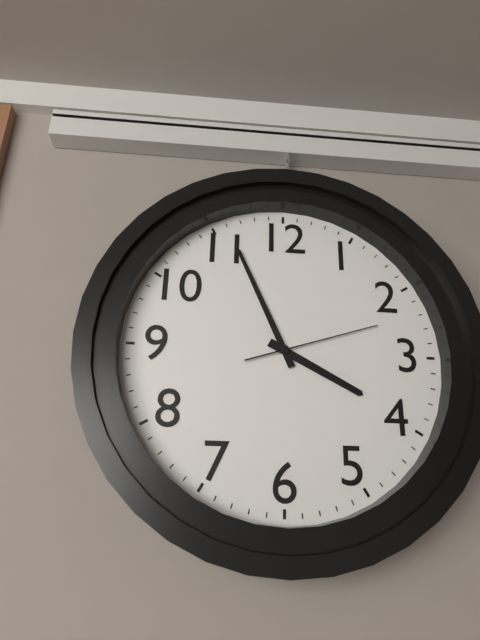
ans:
**3:56:12**
